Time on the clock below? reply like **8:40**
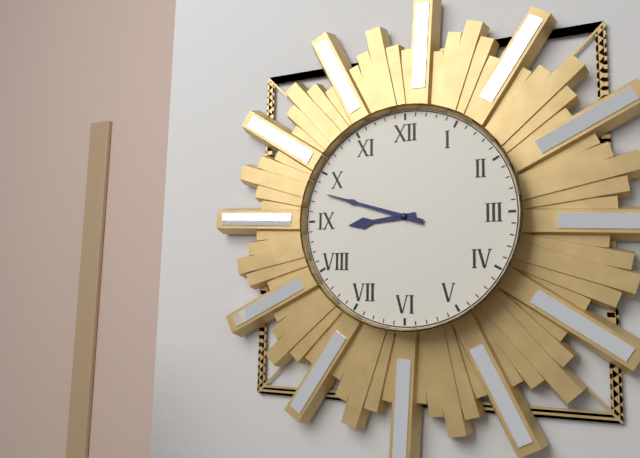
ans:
**8:48**
